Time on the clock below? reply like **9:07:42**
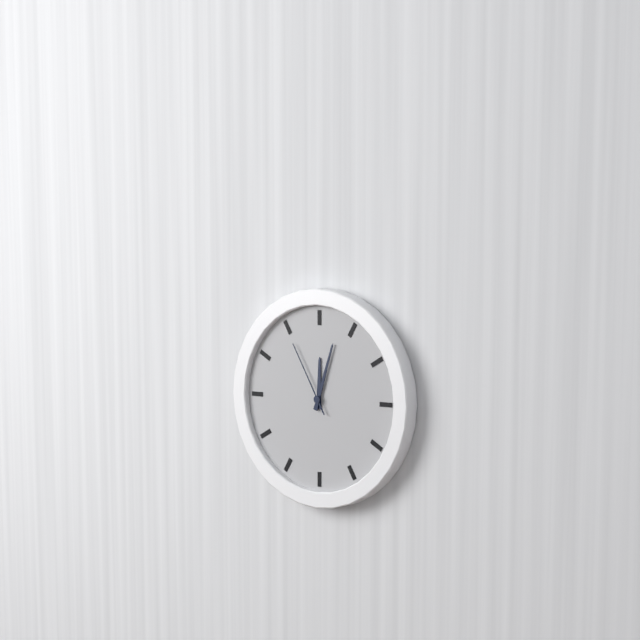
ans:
**12:03:55**
